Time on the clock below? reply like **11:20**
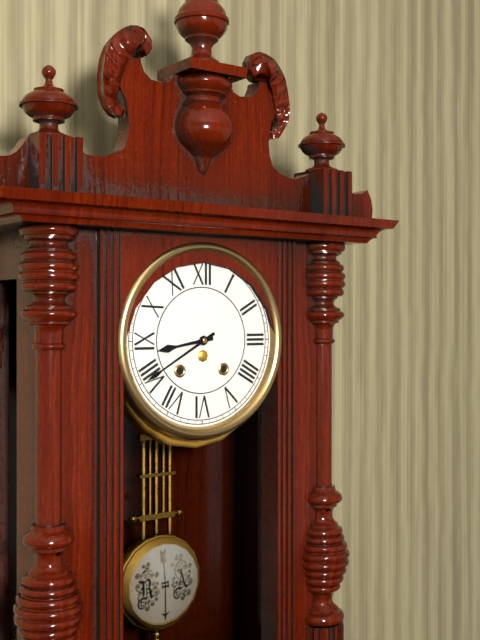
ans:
**8:40**
